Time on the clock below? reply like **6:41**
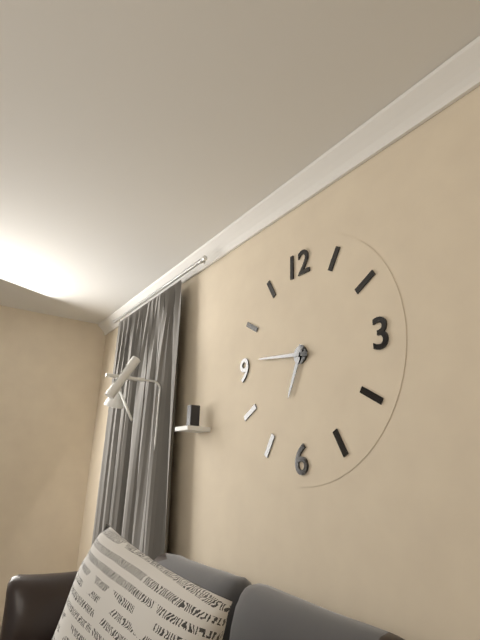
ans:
**6:46**
